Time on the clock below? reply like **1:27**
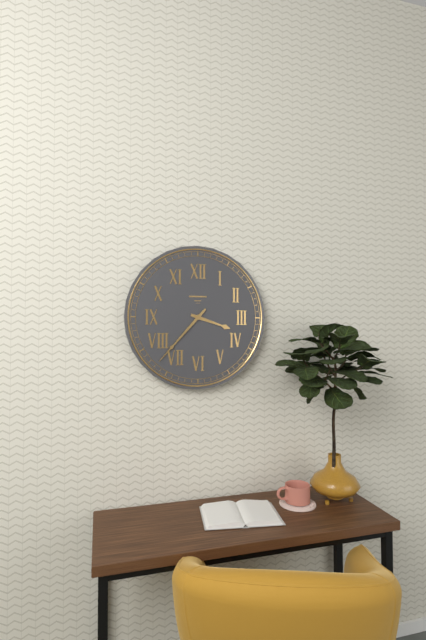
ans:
**3:37**
